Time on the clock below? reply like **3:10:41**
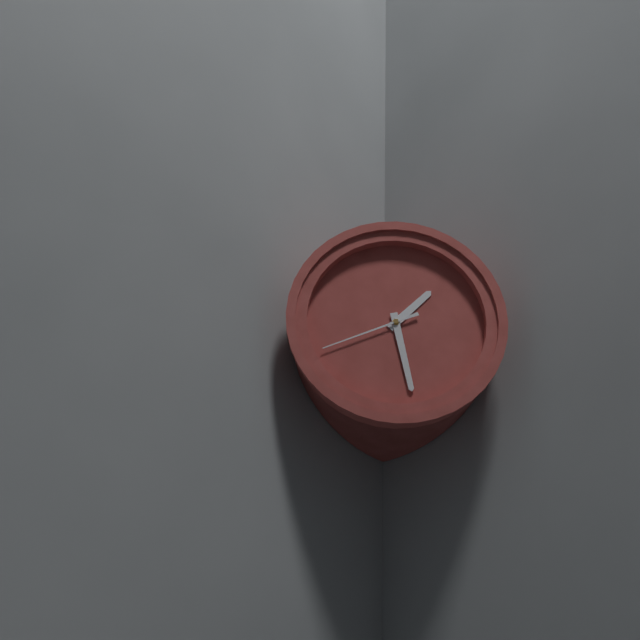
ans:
**1:28:41**
